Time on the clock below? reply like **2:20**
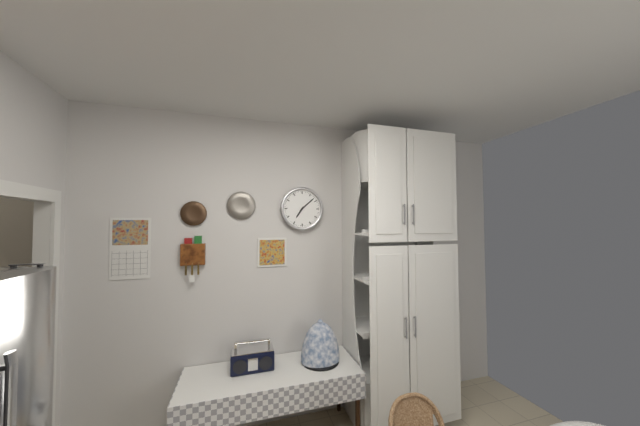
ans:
**7:08**
